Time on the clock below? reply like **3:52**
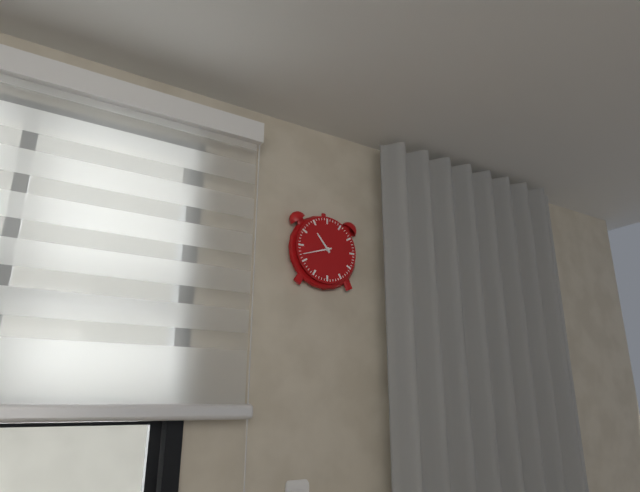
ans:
**10:42**
